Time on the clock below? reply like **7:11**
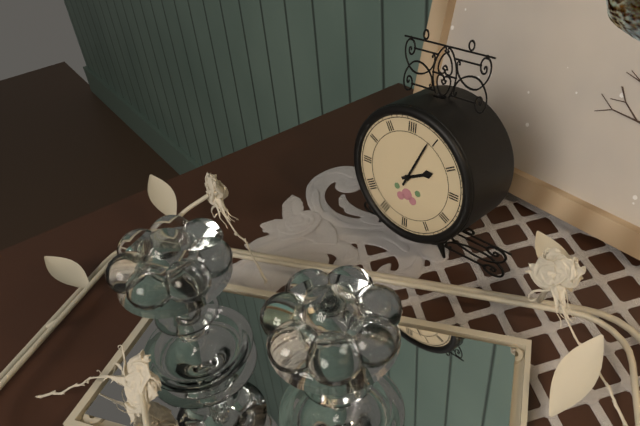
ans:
**2:04**
